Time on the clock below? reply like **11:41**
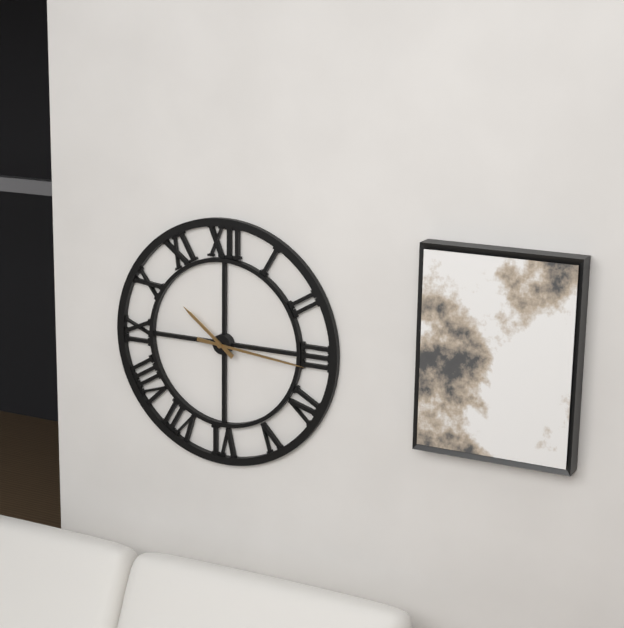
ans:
**10:16**
